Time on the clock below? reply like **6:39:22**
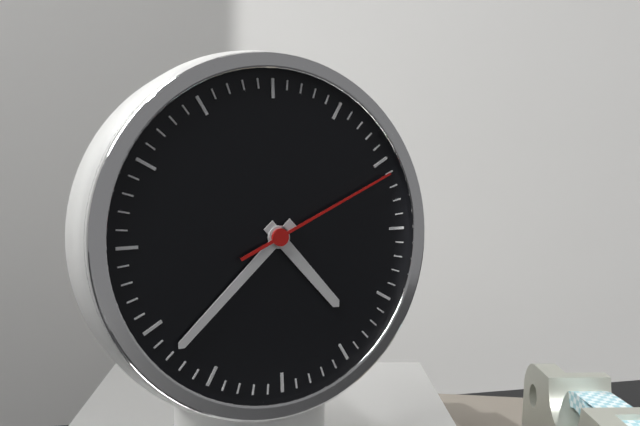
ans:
**4:38:11**
